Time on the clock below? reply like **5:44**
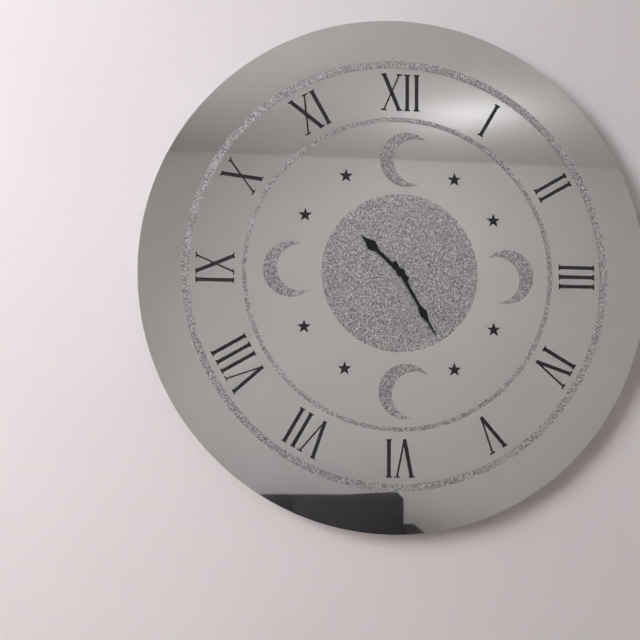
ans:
**10:25**
